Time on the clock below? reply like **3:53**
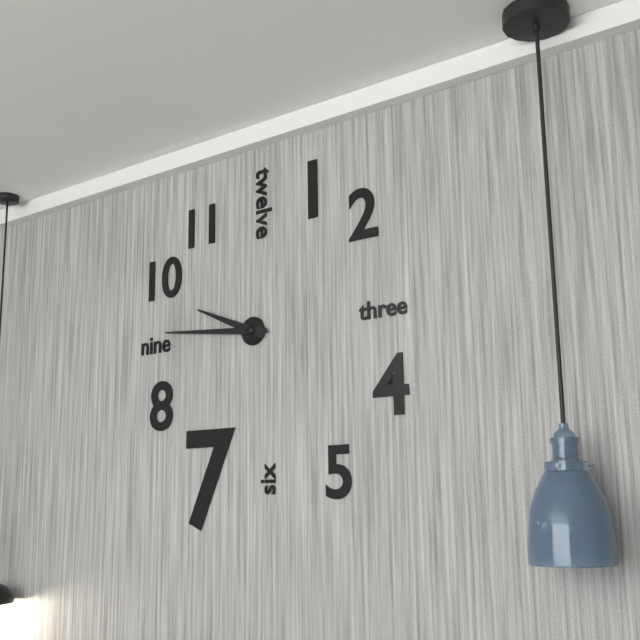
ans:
**9:46**
